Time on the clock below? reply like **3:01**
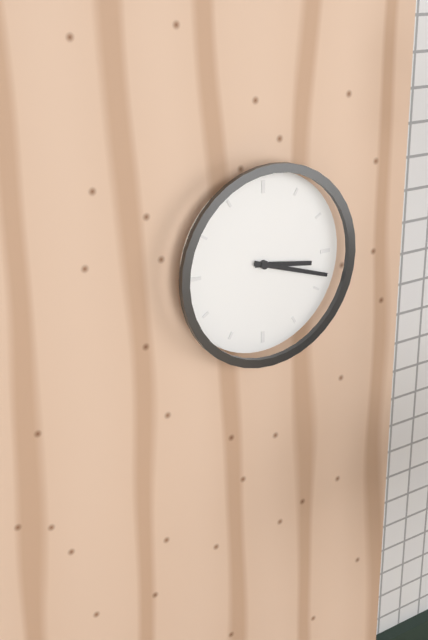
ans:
**3:18**
